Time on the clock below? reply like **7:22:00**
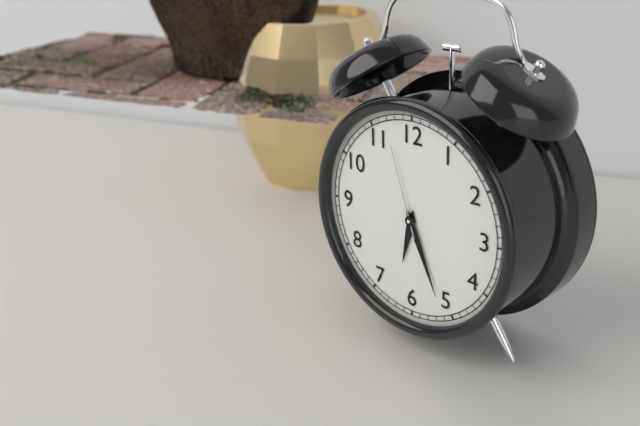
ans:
**6:26:57**
